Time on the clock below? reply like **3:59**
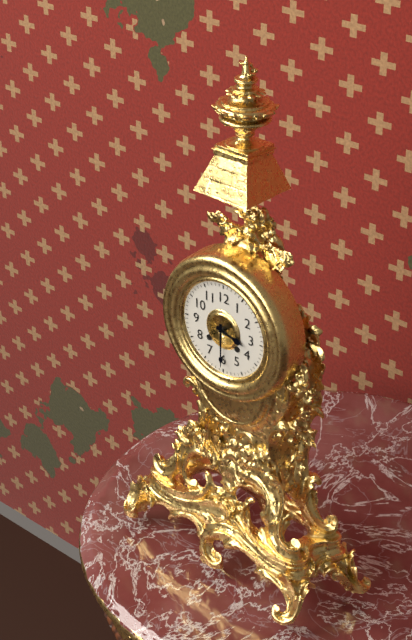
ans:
**3:30**
